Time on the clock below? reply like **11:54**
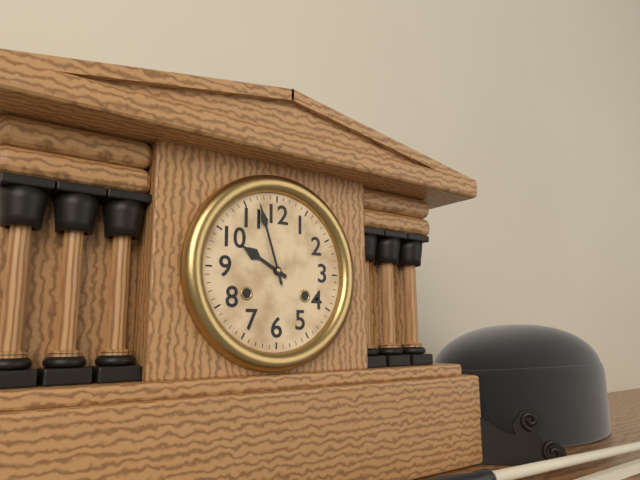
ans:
**9:57**
